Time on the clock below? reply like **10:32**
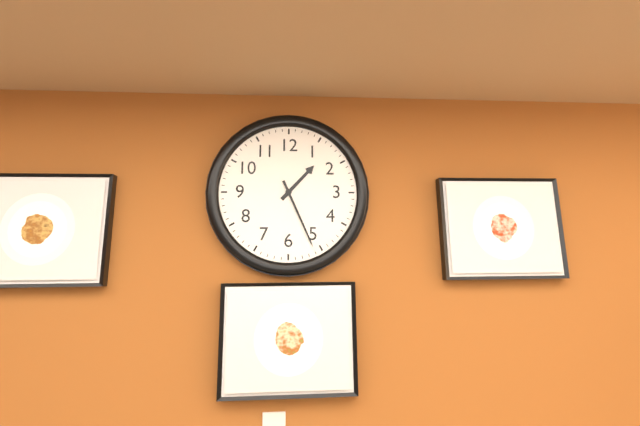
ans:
**1:26**
